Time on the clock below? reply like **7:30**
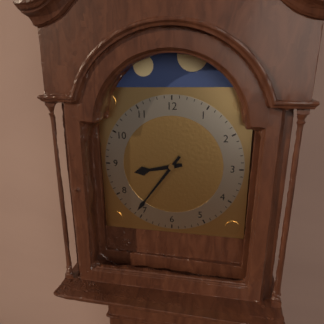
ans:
**8:36**
